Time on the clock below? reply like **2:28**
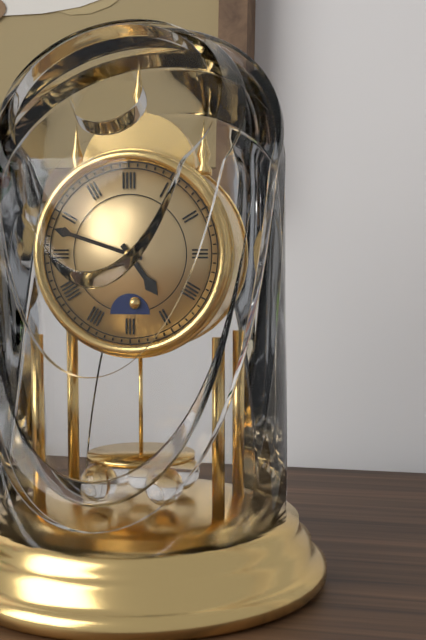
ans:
**4:48**
